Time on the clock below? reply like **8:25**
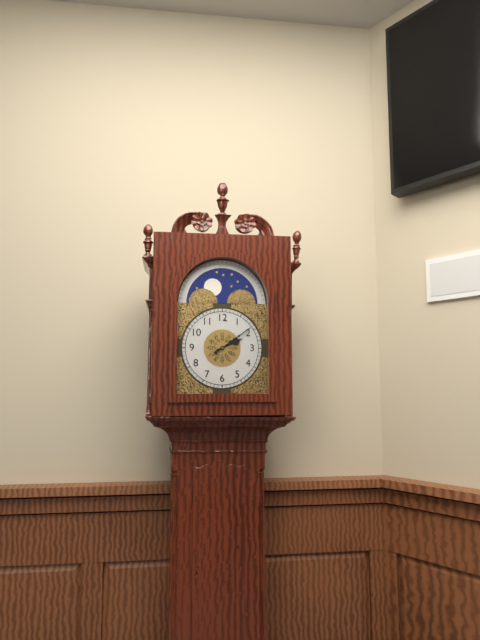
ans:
**2:09**
